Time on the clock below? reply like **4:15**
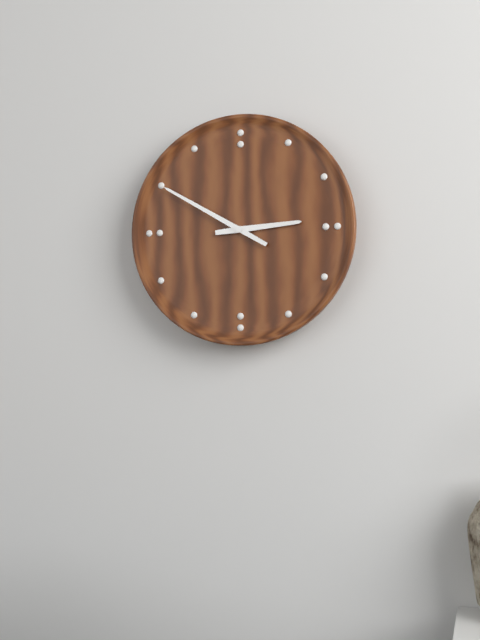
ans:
**2:50**
